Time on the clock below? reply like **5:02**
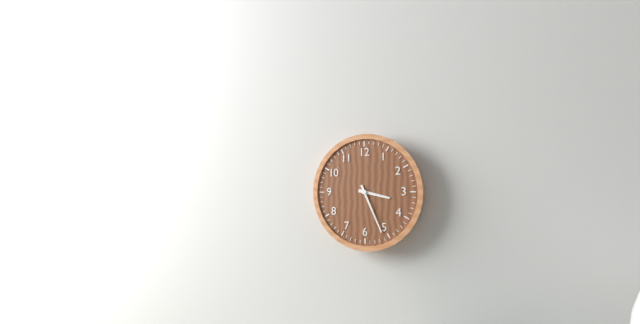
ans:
**3:26**
